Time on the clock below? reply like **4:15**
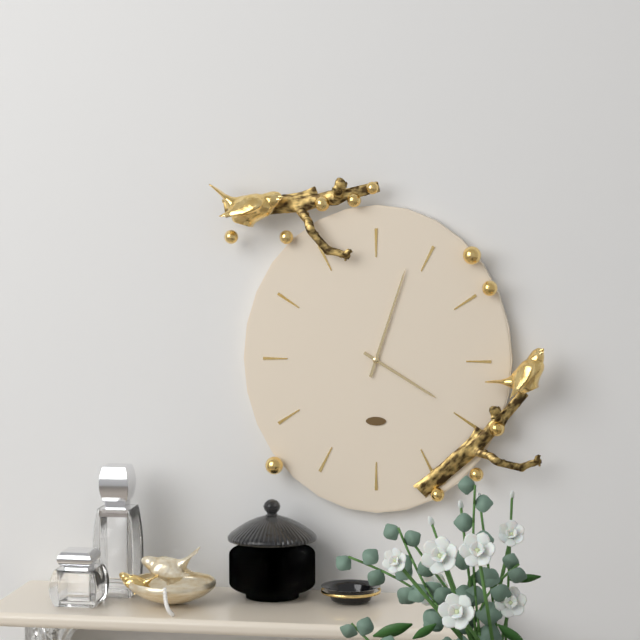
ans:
**4:03**
